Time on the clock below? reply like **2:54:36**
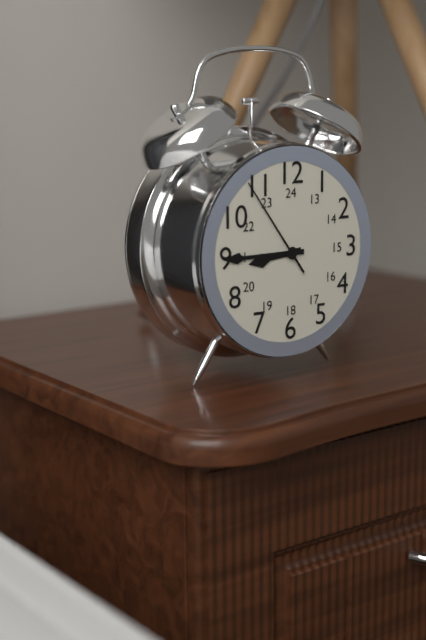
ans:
**8:45:54**
